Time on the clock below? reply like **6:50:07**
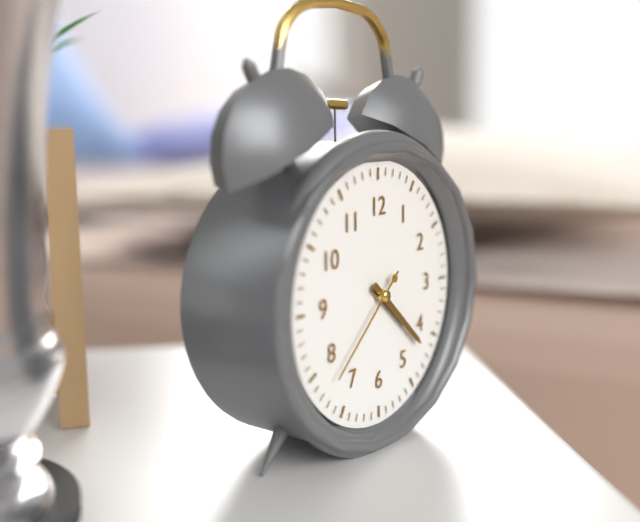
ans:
**4:22:38**
